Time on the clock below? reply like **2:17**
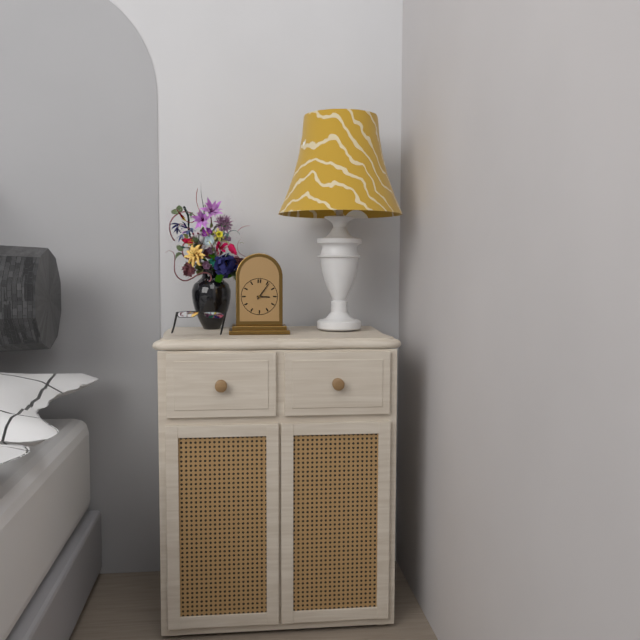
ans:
**3:06**
